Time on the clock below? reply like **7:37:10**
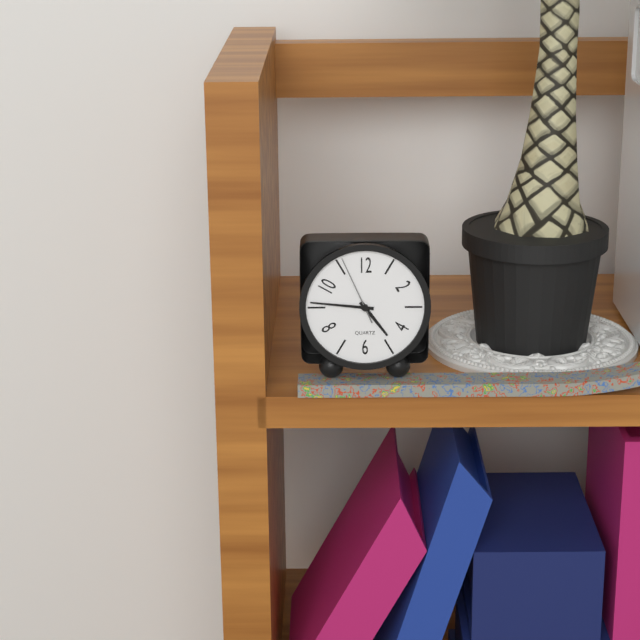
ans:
**4:46:56**
